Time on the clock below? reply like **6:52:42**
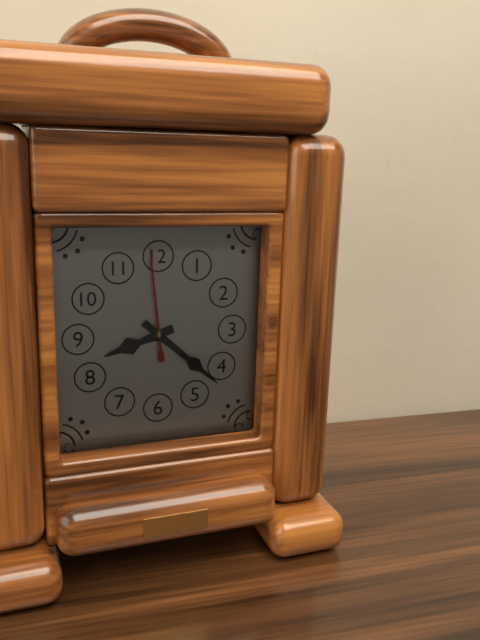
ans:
**8:22:59**
